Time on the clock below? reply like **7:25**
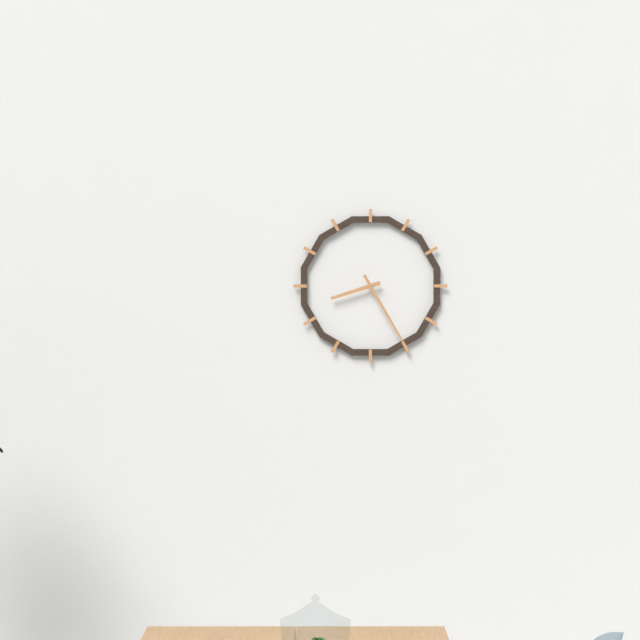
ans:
**8:25**
